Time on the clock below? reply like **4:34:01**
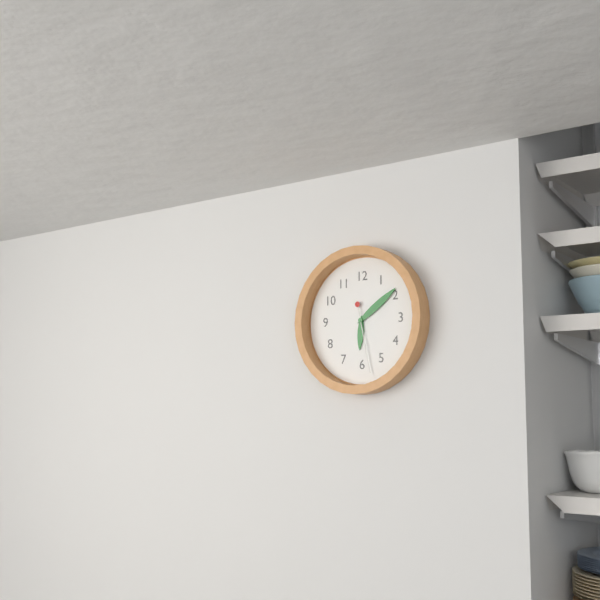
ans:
**6:09:28**
